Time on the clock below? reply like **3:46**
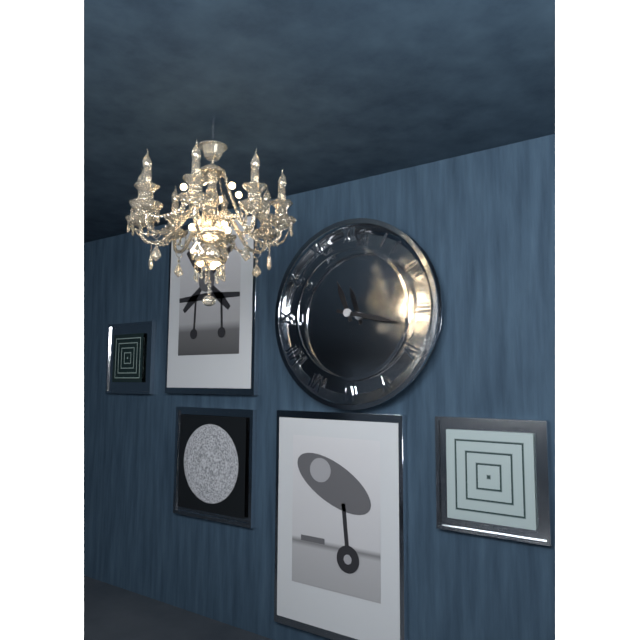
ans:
**11:17**
